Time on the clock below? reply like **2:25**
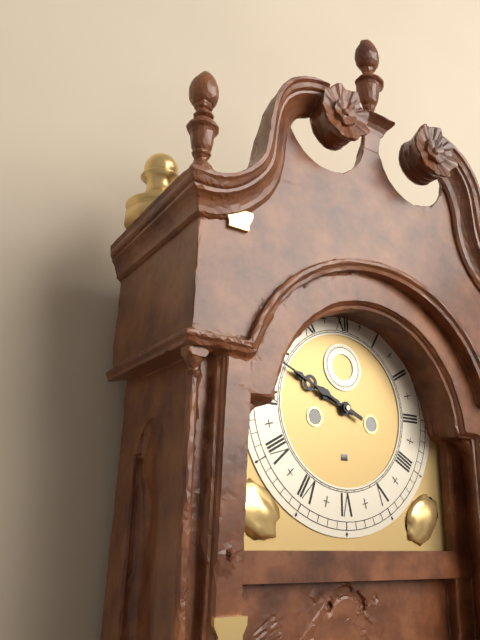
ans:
**9:49**
